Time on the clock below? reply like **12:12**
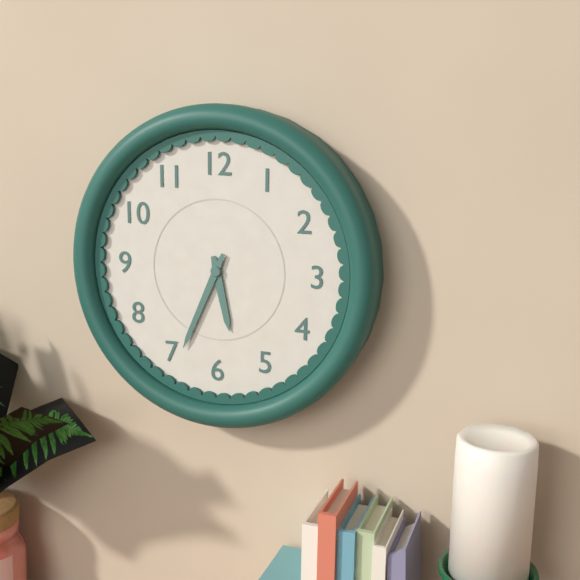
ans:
**5:34**
